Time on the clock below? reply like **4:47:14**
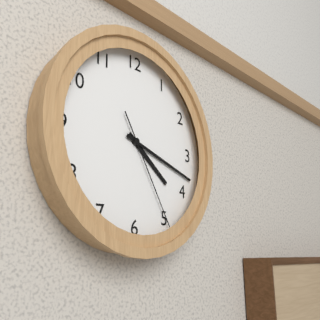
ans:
**4:18:25**
